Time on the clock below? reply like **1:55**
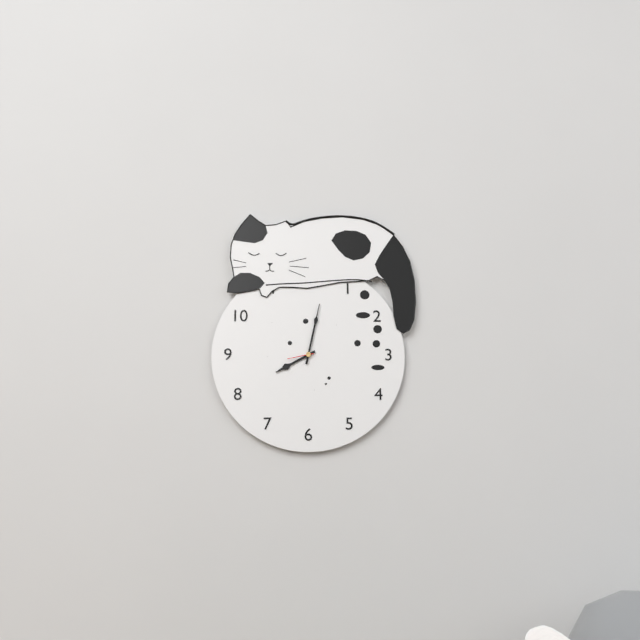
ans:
**8:02**
